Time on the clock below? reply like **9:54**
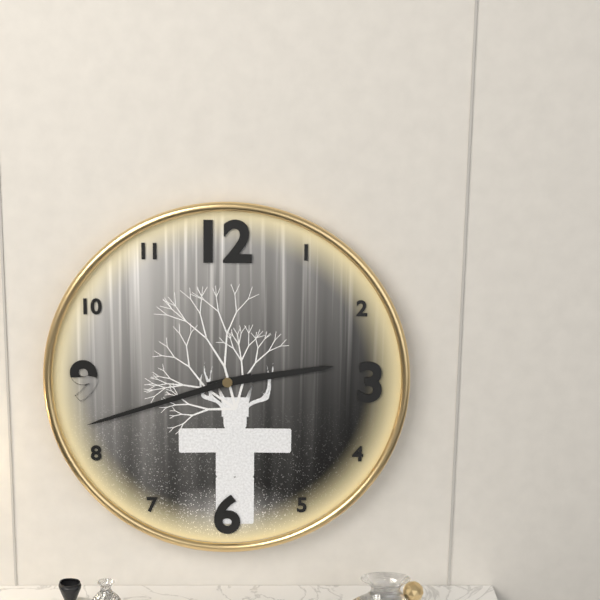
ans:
**2:42**
